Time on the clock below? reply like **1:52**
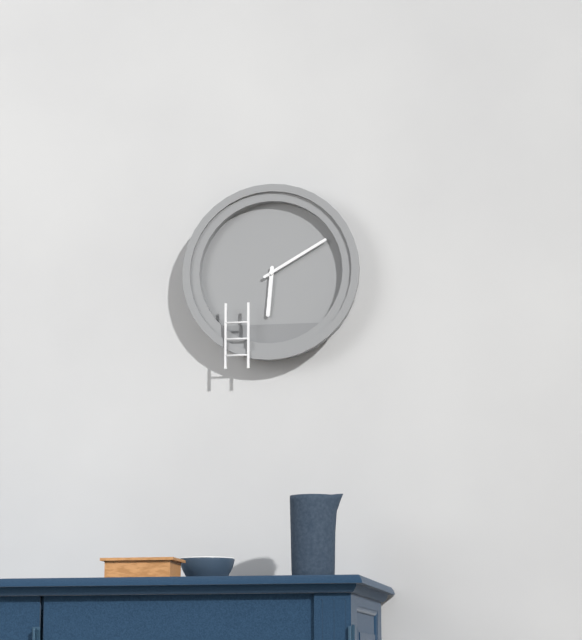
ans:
**6:10**
